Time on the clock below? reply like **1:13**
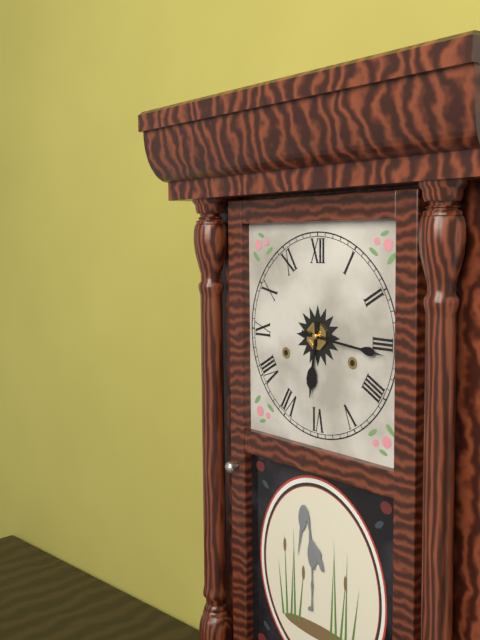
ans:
**6:16**
